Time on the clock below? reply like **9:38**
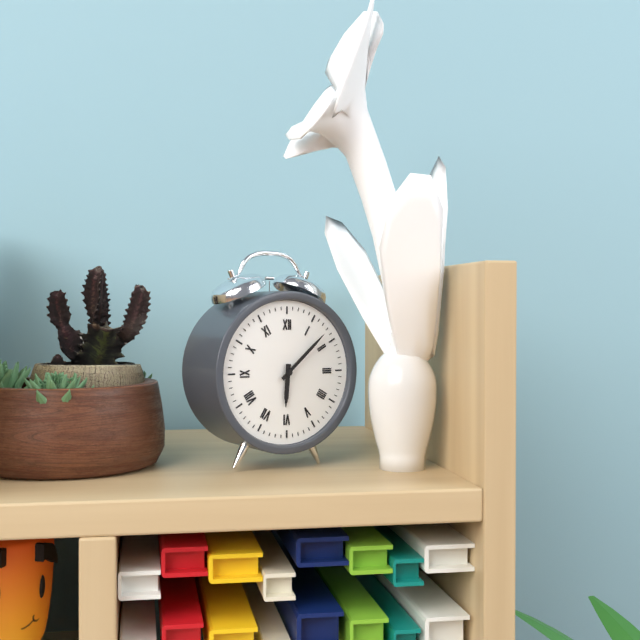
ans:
**6:08**
